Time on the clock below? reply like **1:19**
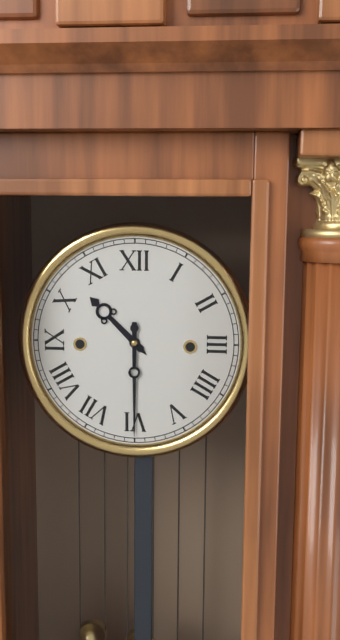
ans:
**10:30**
